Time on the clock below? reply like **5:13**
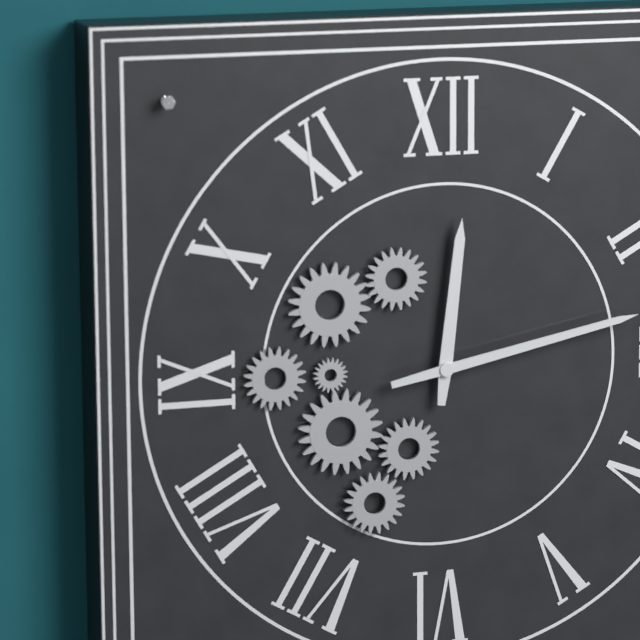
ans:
**12:13**
